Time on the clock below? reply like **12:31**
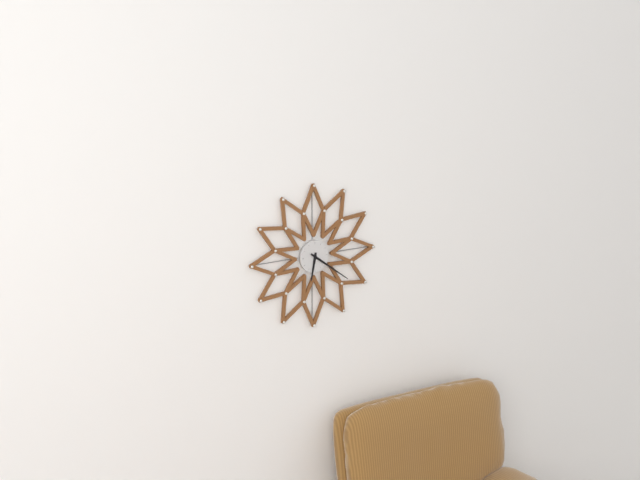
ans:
**6:21**
